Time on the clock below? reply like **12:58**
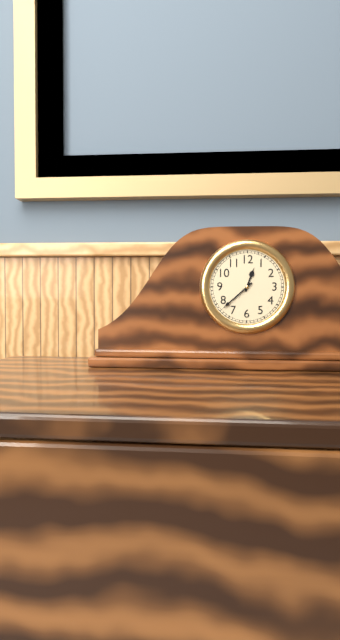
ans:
**12:38**
